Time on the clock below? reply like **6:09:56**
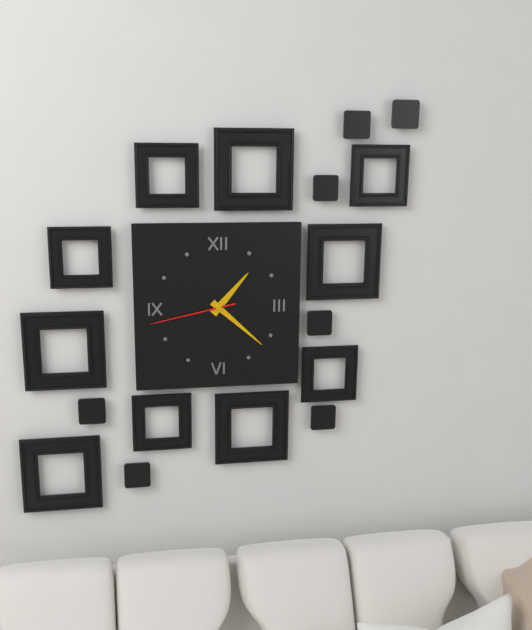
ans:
**1:22:43**
